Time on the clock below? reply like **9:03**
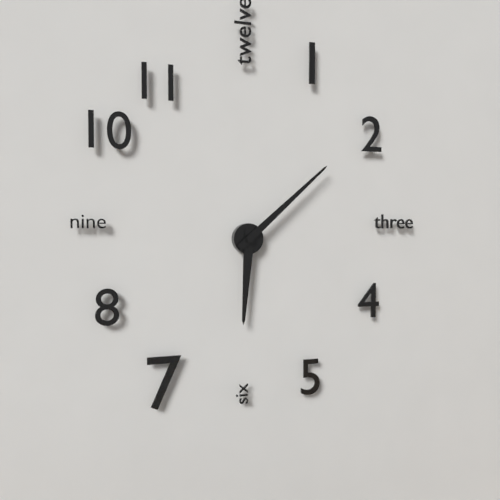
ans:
**6:08**
